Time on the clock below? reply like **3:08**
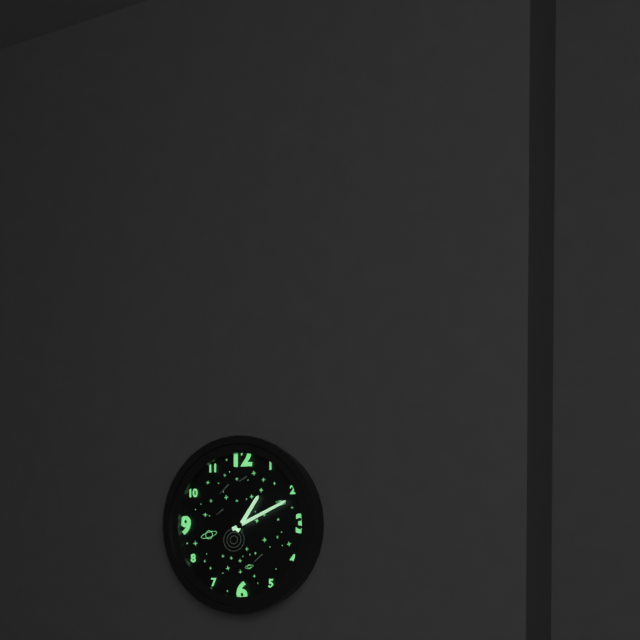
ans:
**1:11**
